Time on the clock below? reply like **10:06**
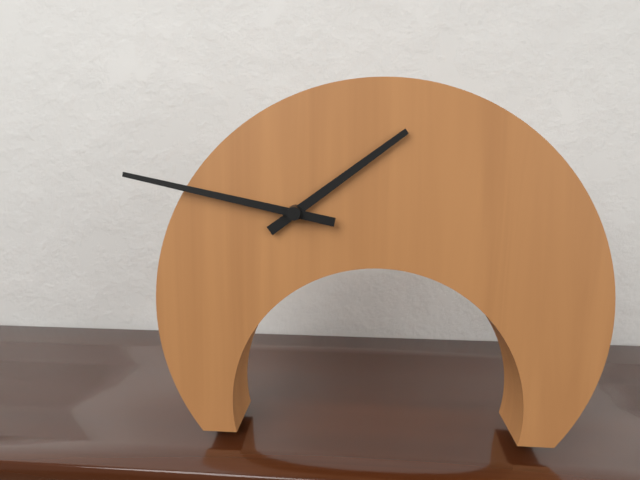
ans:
**1:47**
